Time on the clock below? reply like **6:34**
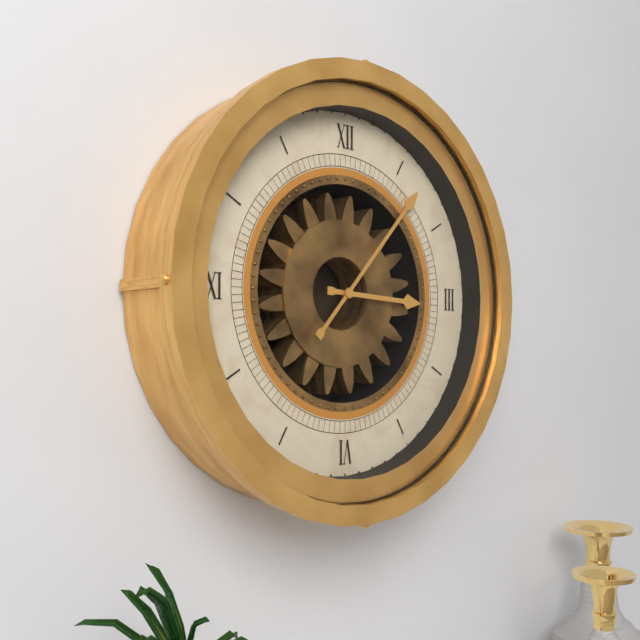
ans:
**3:07**
